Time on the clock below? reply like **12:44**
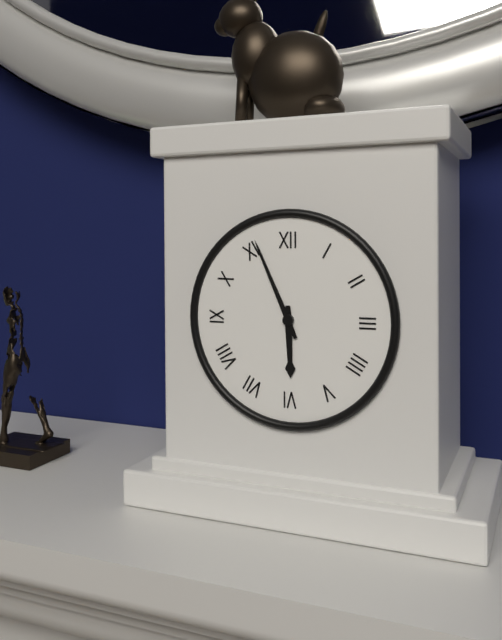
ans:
**5:56**
